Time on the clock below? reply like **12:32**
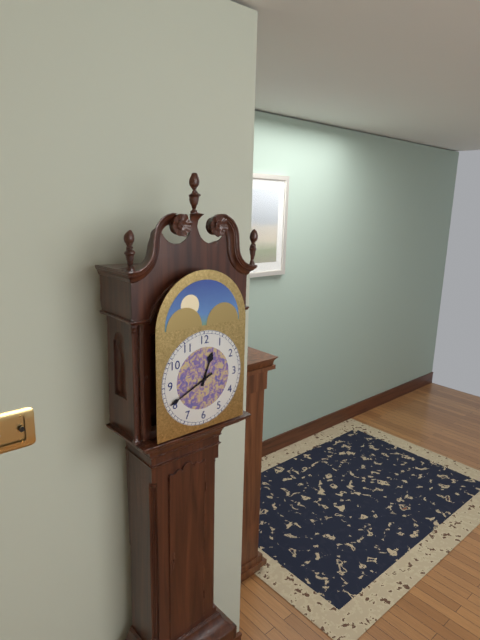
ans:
**12:41**
